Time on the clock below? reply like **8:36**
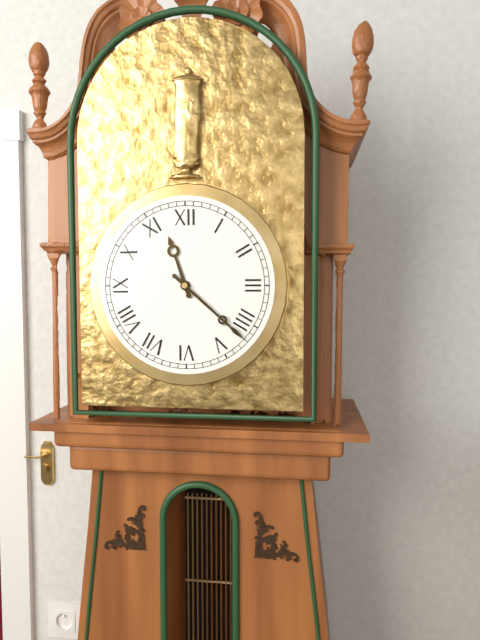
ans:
**11:22**
